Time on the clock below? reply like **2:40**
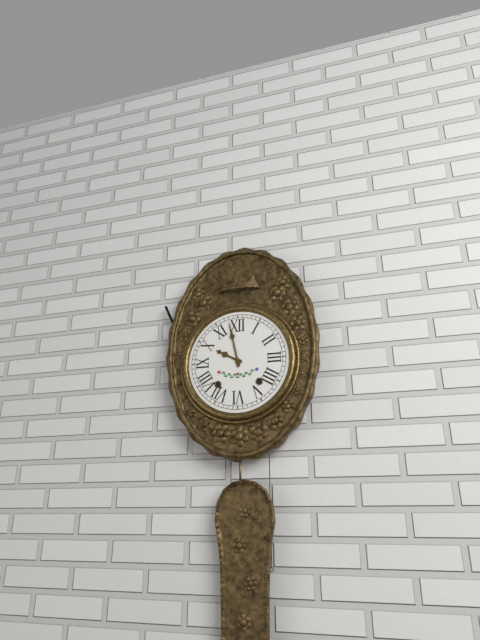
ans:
**9:58**
